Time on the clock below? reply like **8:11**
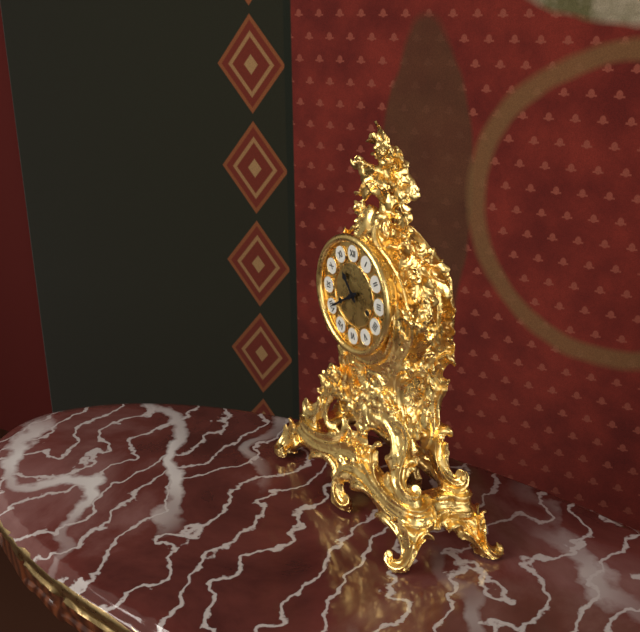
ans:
**10:40**
